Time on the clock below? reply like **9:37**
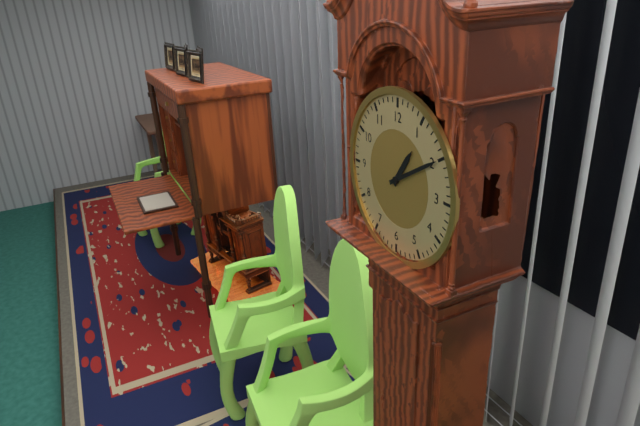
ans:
**1:10**
